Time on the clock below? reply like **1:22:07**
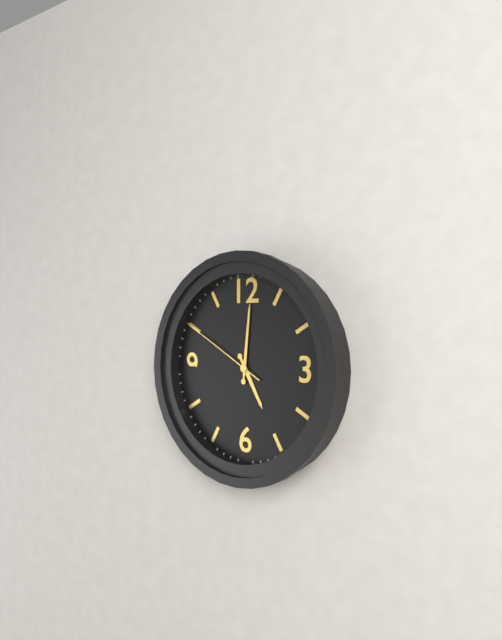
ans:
**5:01:50**
